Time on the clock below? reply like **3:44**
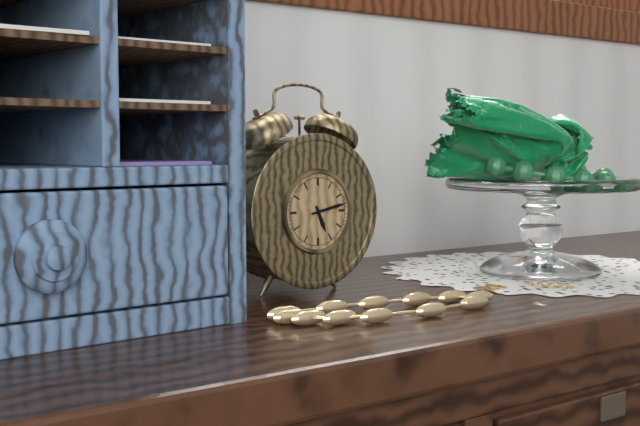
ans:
**5:13**
